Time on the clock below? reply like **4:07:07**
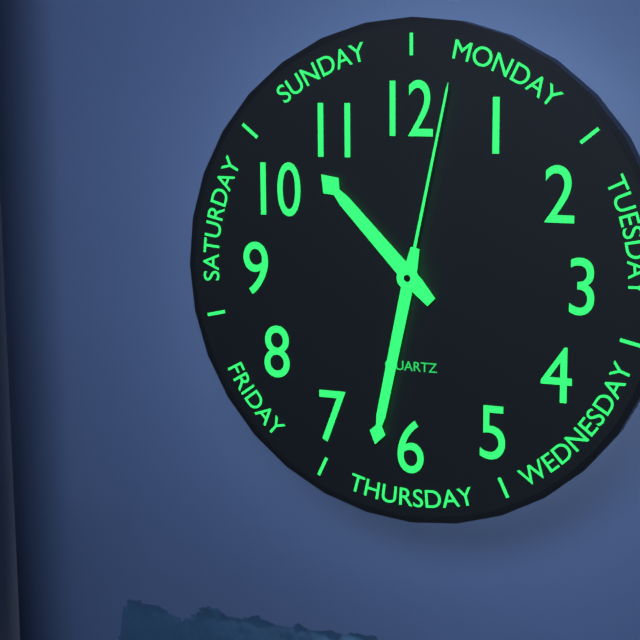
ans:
**10:32:02**
